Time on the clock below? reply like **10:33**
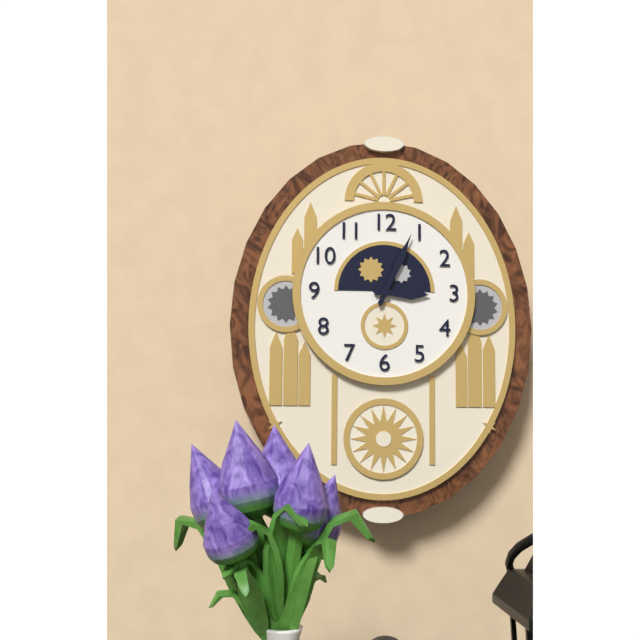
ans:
**3:04**
